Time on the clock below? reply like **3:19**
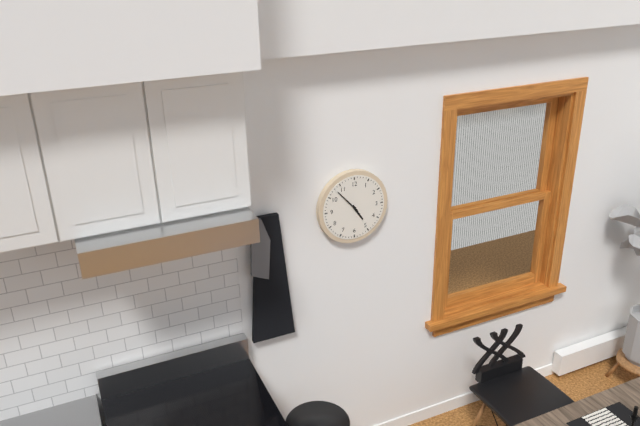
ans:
**4:53**
